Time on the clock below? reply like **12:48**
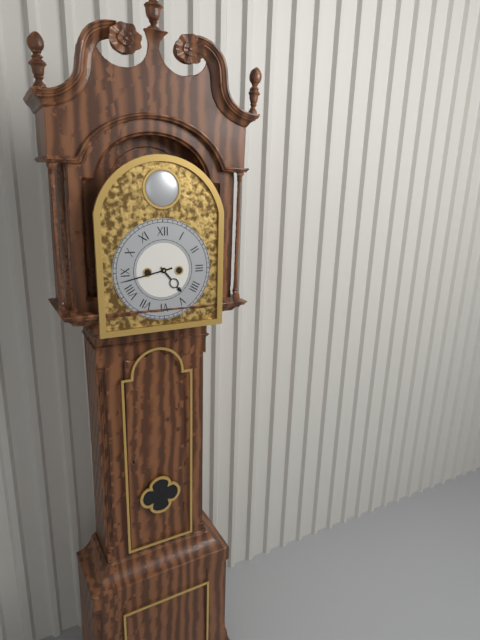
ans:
**4:43**
